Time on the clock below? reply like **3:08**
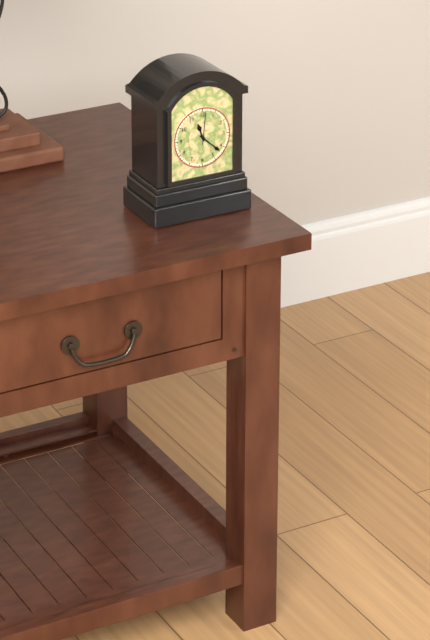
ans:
**11:22**
